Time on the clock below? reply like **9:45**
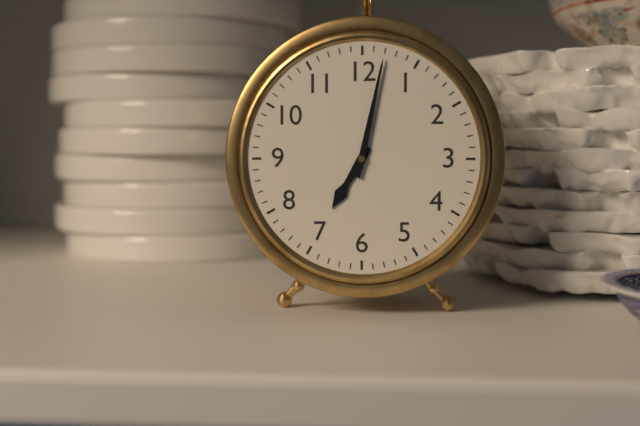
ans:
**7:02**
